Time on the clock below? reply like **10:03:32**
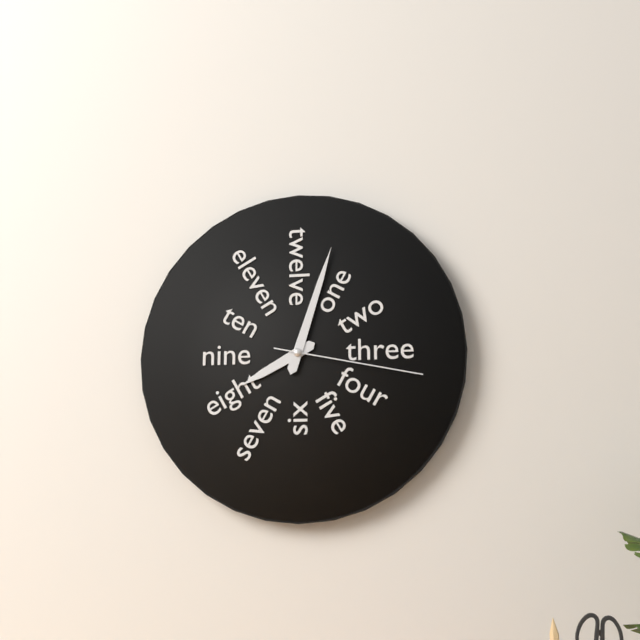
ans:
**8:03:17**
